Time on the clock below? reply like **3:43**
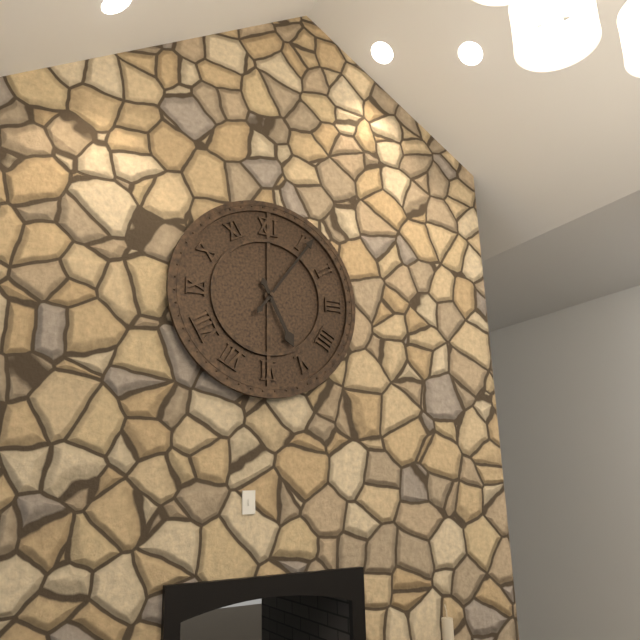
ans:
**5:06**
